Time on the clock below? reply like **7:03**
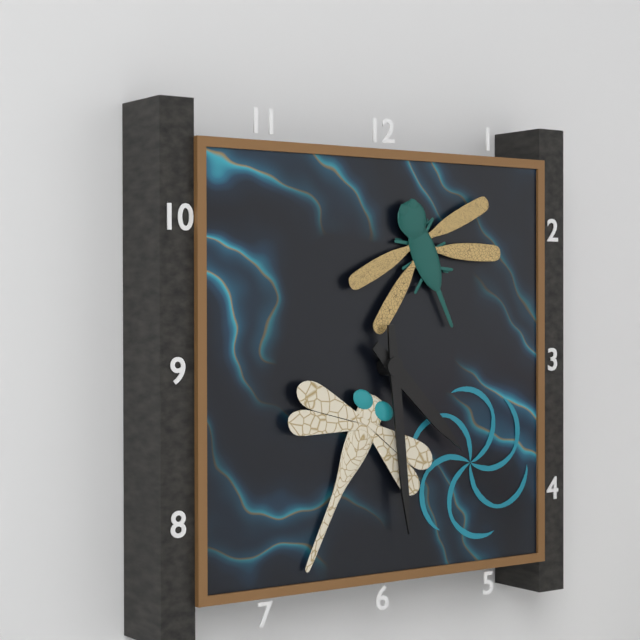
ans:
**4:29**
